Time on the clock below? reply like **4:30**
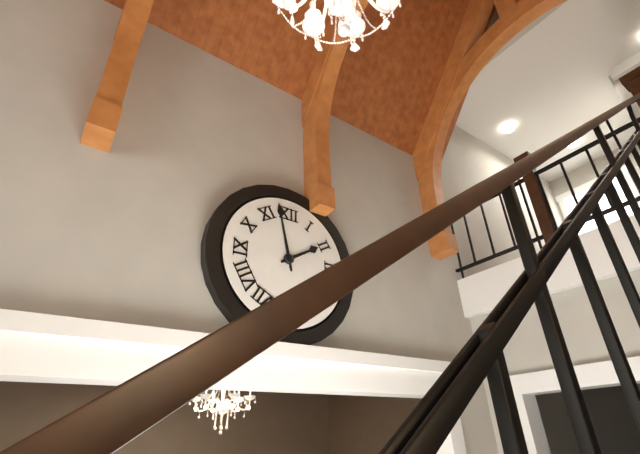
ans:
**1:58**
